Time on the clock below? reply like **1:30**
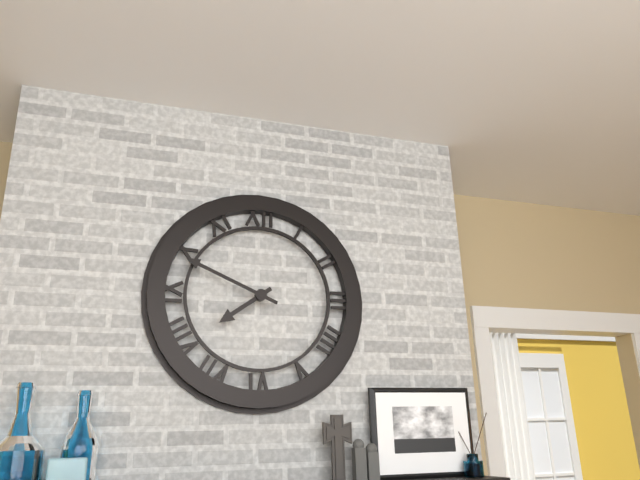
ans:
**7:49**
